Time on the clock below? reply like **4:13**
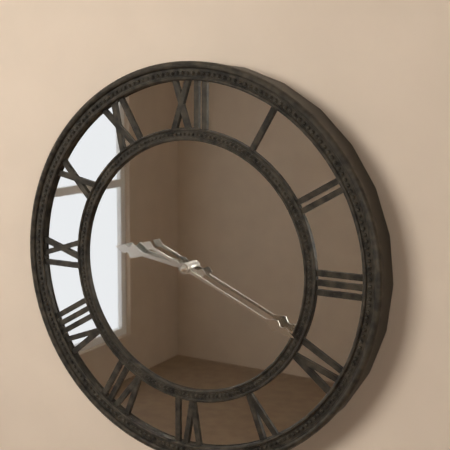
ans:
**9:19**
